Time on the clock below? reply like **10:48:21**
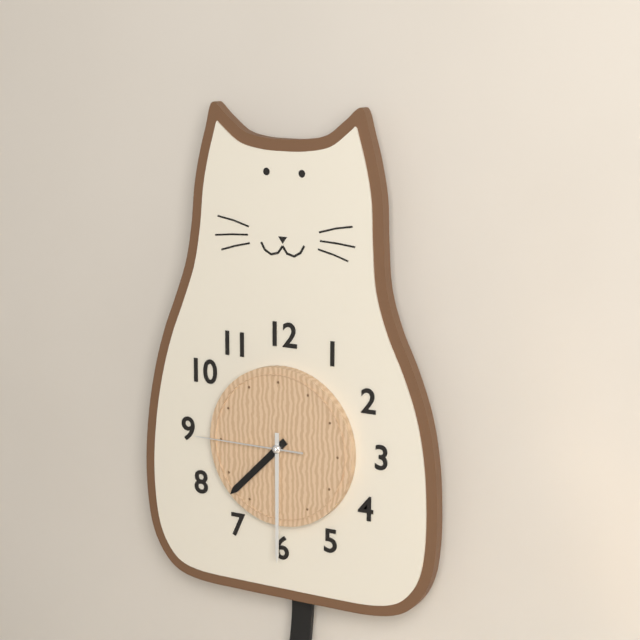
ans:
**7:30:45**
